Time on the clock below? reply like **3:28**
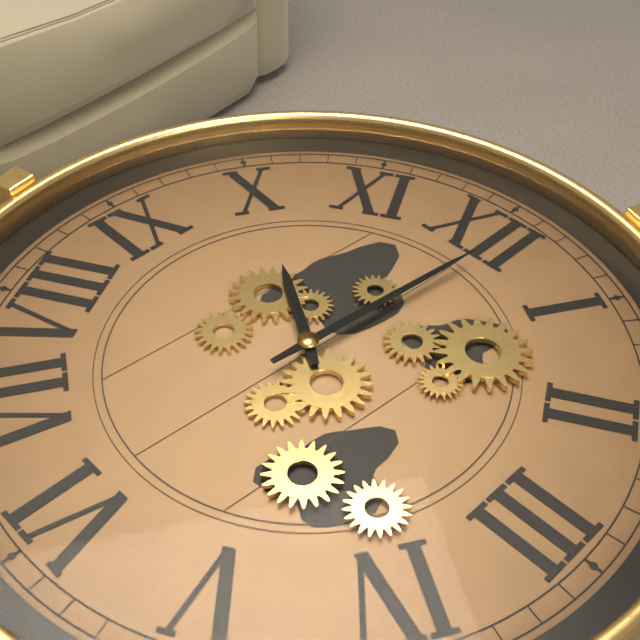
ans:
**10:01**
